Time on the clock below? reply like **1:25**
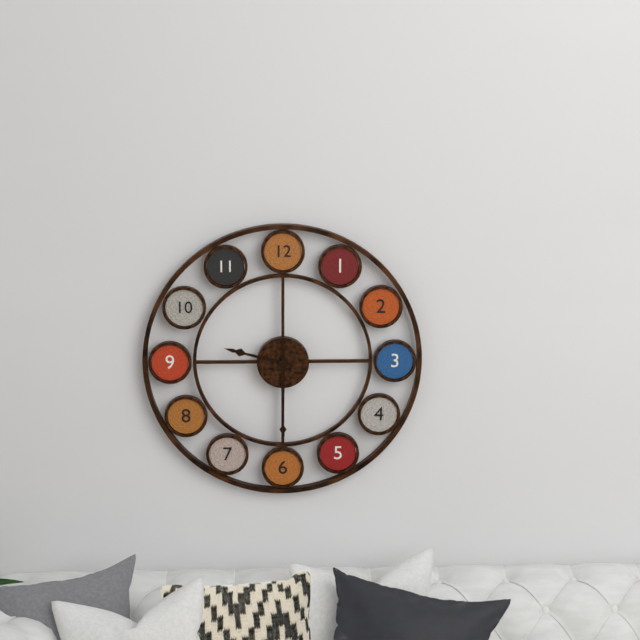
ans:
**9:30**
